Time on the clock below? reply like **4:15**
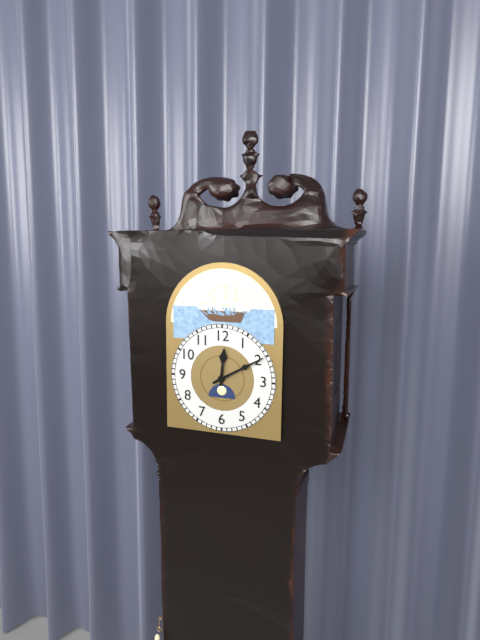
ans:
**12:10**
